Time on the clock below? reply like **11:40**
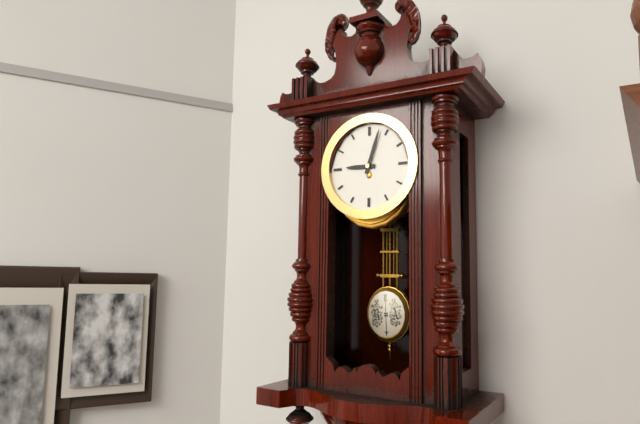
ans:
**9:03**
